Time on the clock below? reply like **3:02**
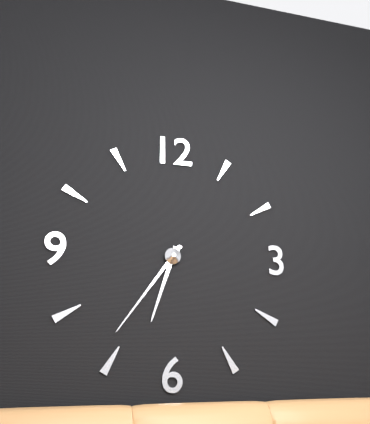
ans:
**6:36**
